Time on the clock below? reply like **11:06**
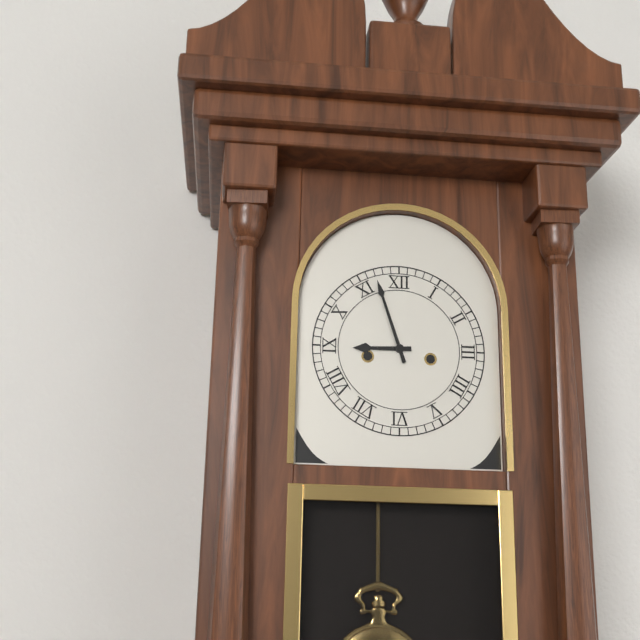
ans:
**8:57**
